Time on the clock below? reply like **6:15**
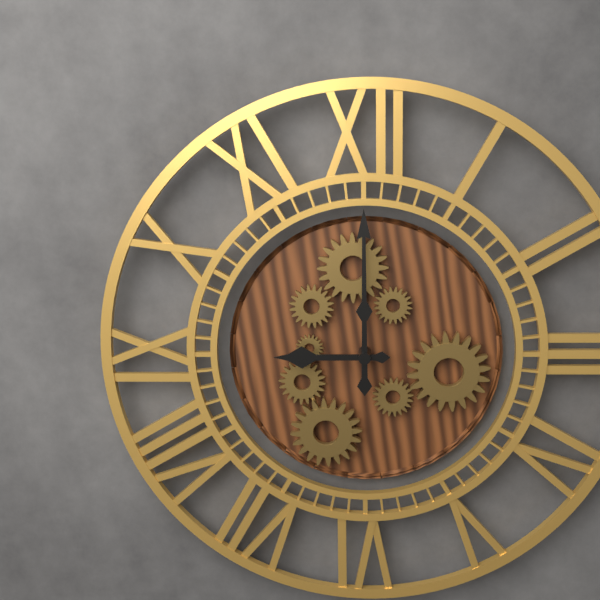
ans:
**9:00**
